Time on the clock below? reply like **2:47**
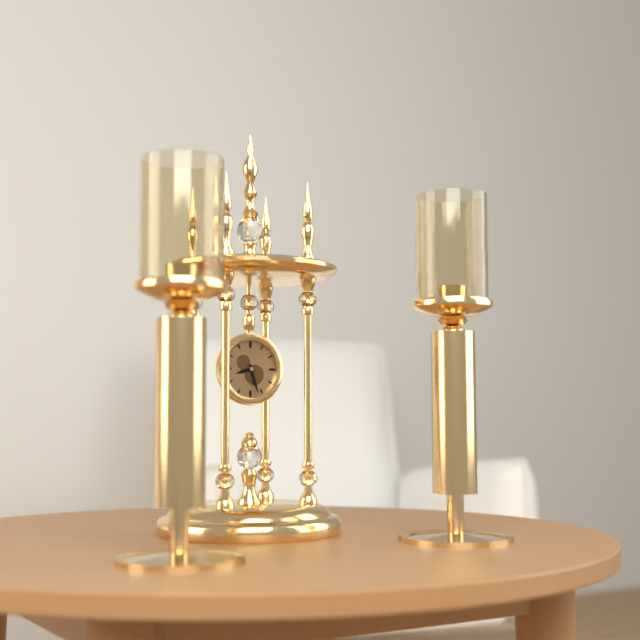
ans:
**8:27**
